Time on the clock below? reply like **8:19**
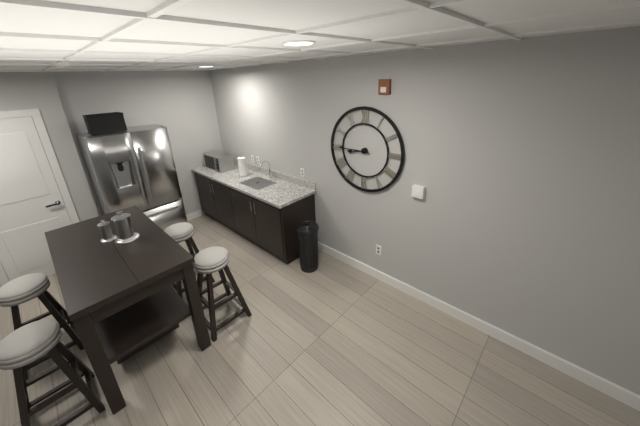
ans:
**8:45**
